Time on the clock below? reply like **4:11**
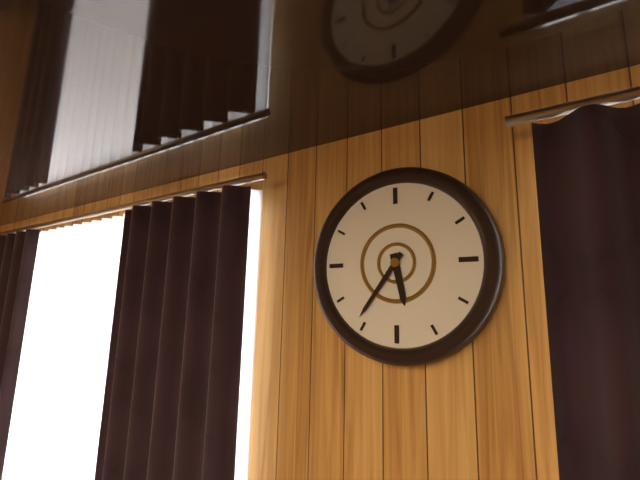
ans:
**5:36**
